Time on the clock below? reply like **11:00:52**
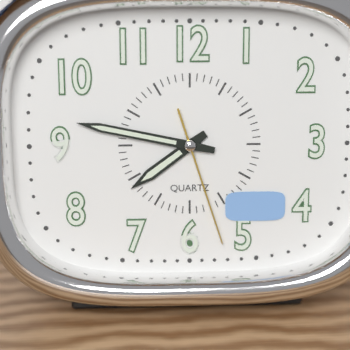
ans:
**7:47:27**
